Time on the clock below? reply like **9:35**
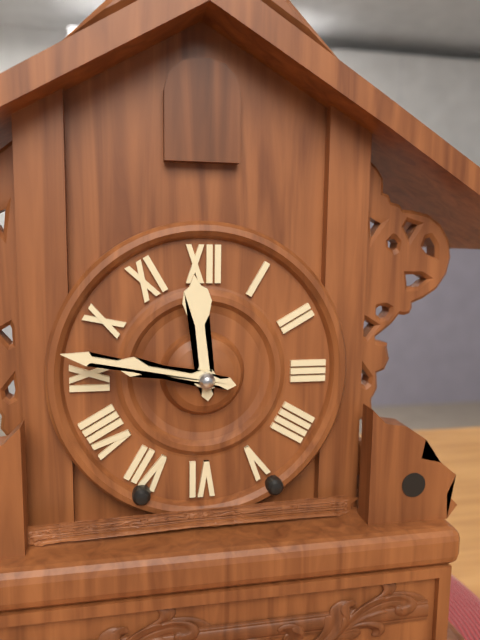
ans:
**11:47**
